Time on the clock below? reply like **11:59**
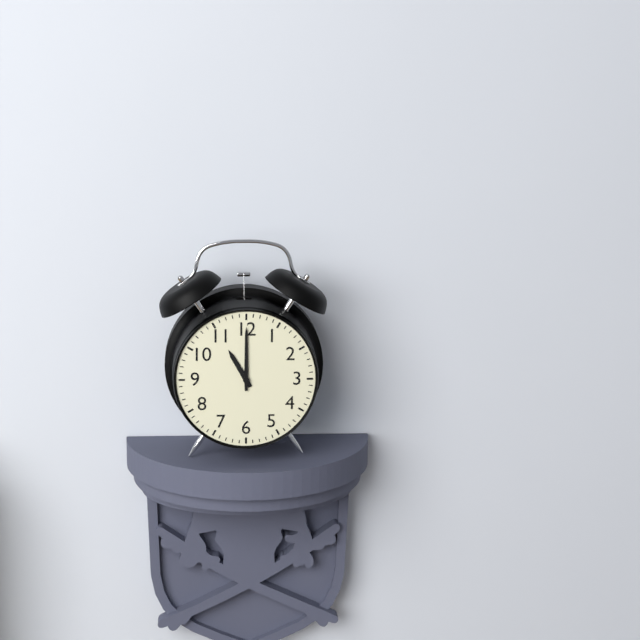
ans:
**11:00**
